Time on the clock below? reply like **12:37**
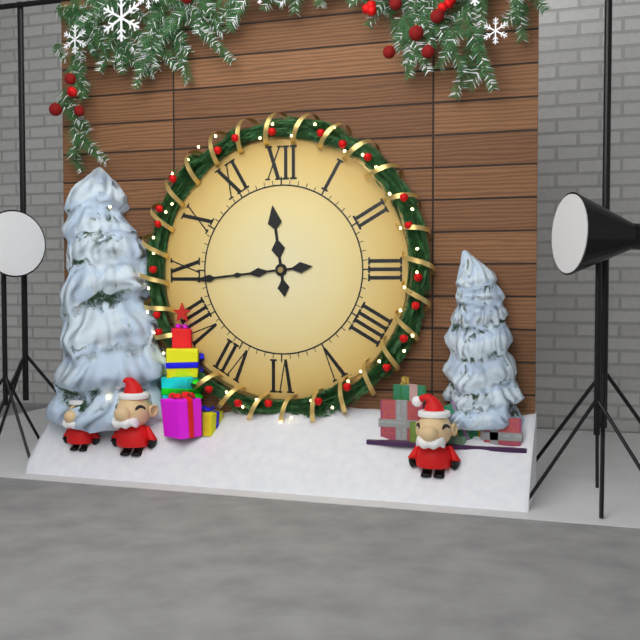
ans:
**11:44**
